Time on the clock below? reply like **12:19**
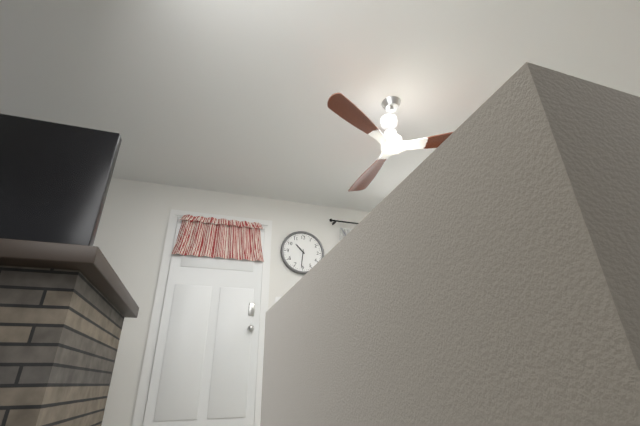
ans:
**10:31**
